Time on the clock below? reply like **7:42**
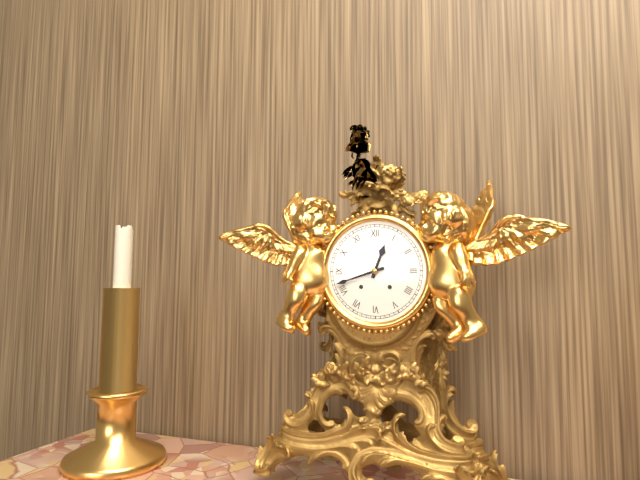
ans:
**12:42**
